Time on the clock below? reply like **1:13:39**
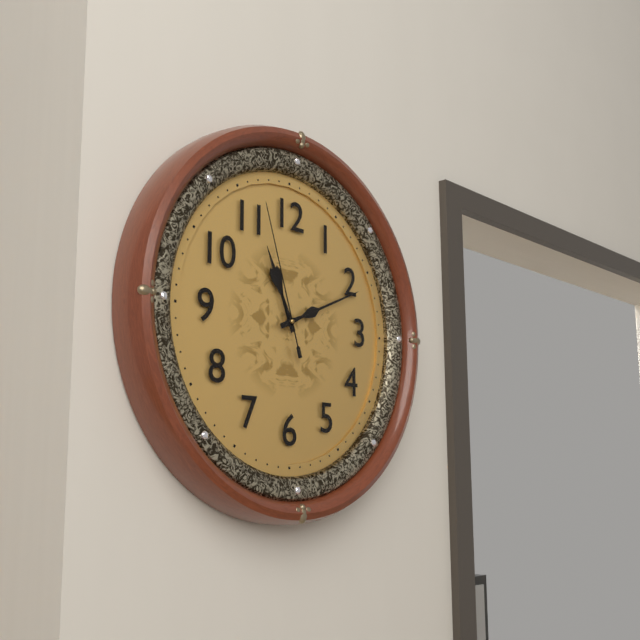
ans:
**11:11:57**
